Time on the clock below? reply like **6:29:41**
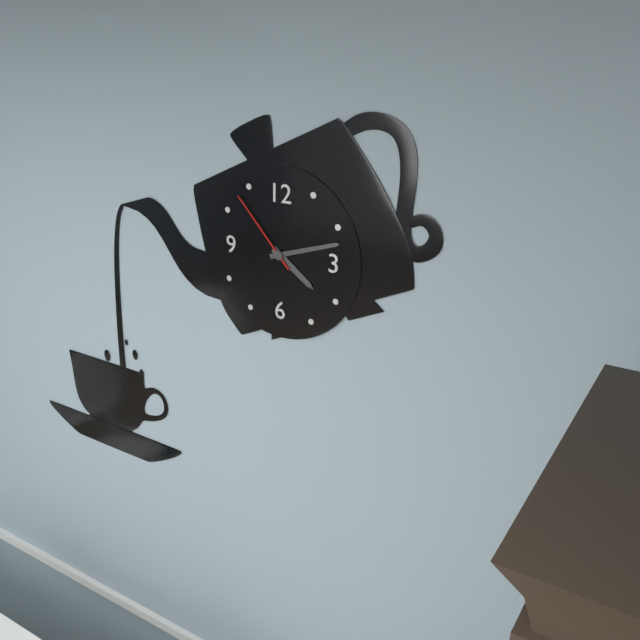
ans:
**4:12:53**
